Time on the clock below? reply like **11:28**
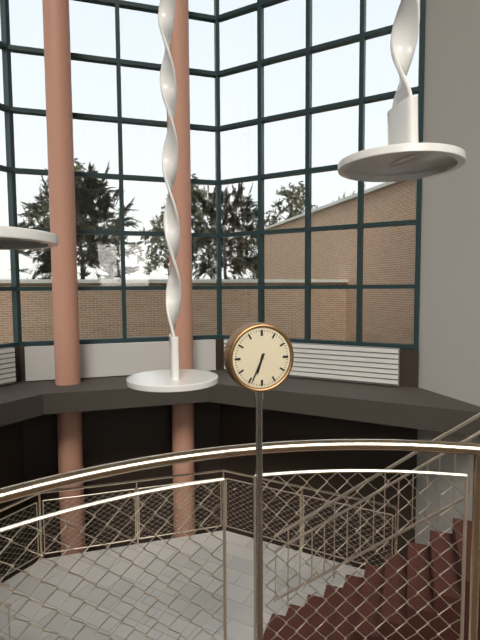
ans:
**6:34**
